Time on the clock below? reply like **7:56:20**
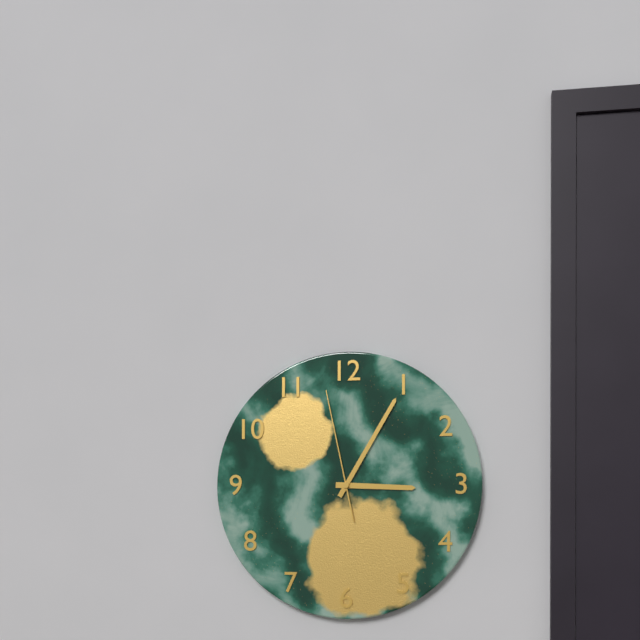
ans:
**3:05:58**
